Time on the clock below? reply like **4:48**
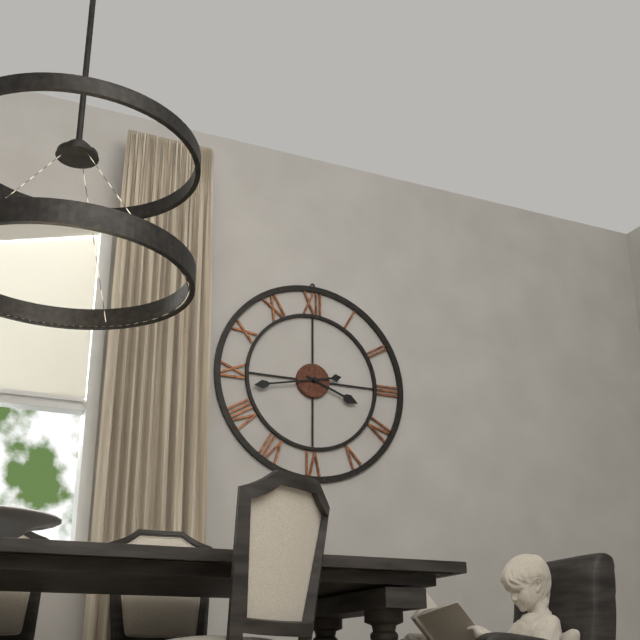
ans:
**3:43**
